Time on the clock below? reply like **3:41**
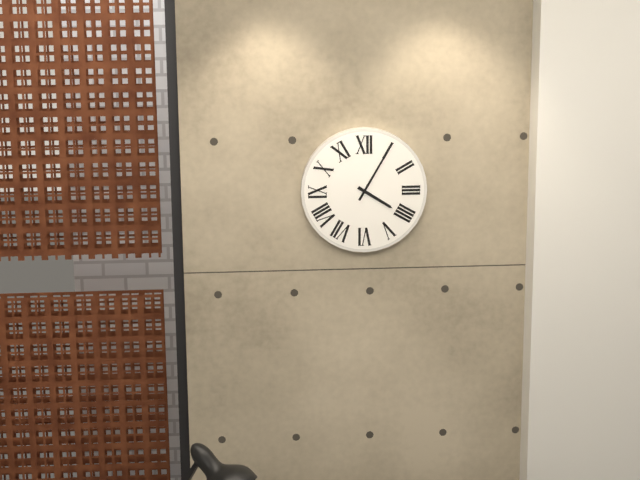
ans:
**4:05**
